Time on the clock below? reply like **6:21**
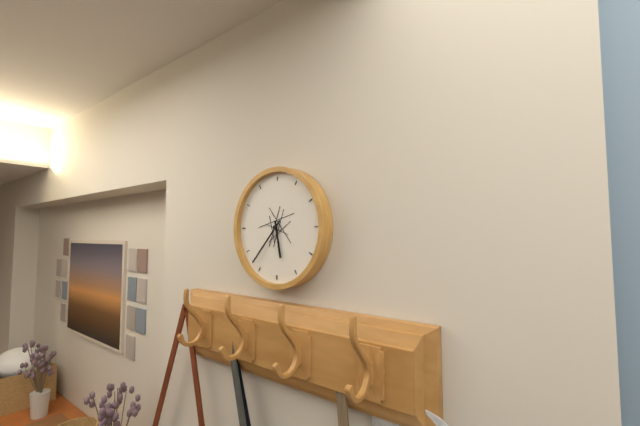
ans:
**5:37**
